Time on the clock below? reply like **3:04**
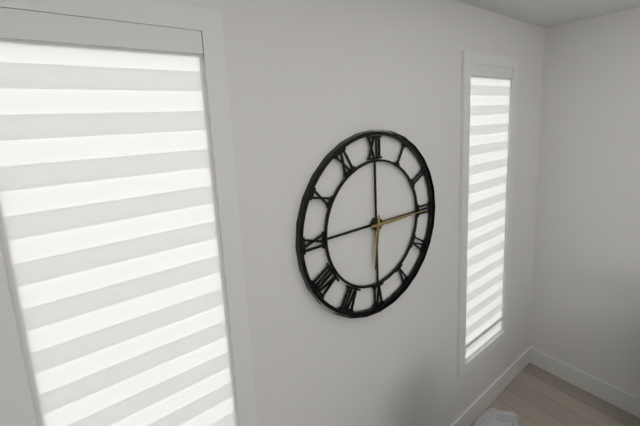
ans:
**6:15**
